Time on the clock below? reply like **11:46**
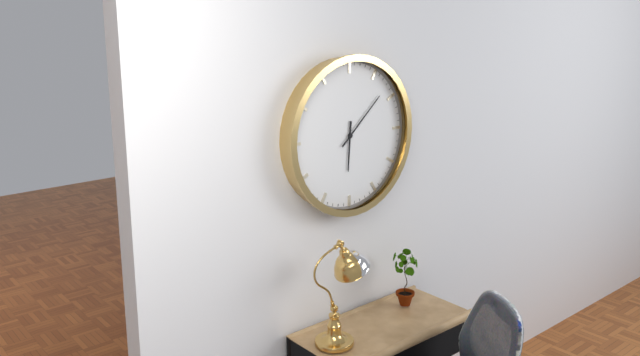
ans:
**6:08**
